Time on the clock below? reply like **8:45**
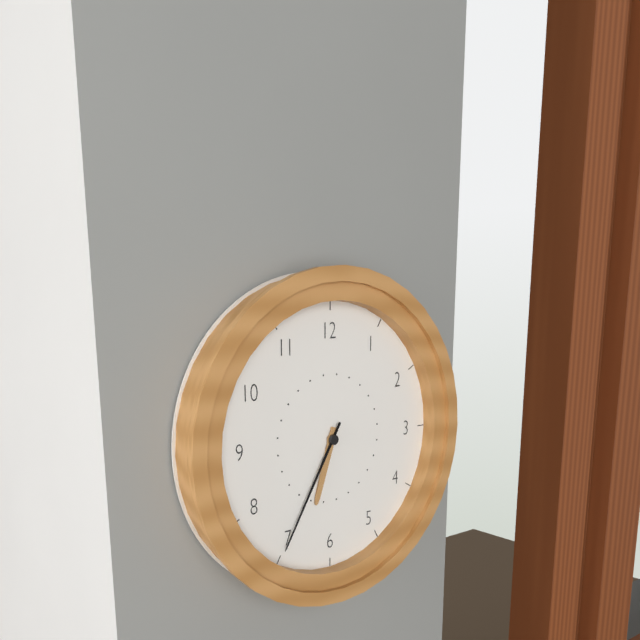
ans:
**6:35**
